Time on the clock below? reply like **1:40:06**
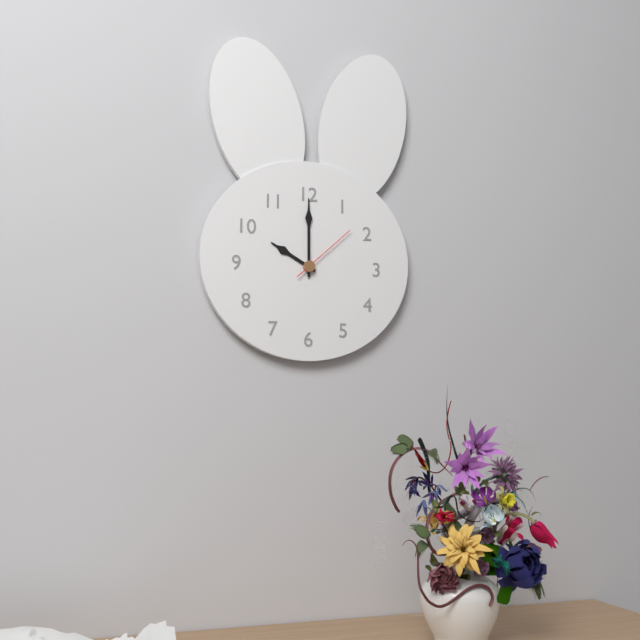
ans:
**10:00:08**
